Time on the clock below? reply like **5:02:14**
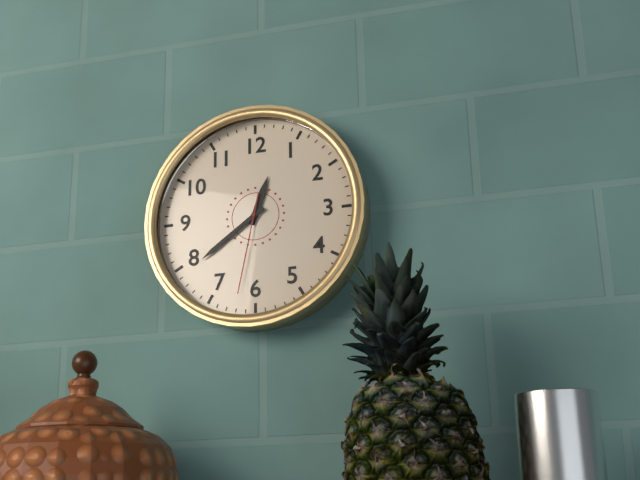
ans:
**12:39:32**
